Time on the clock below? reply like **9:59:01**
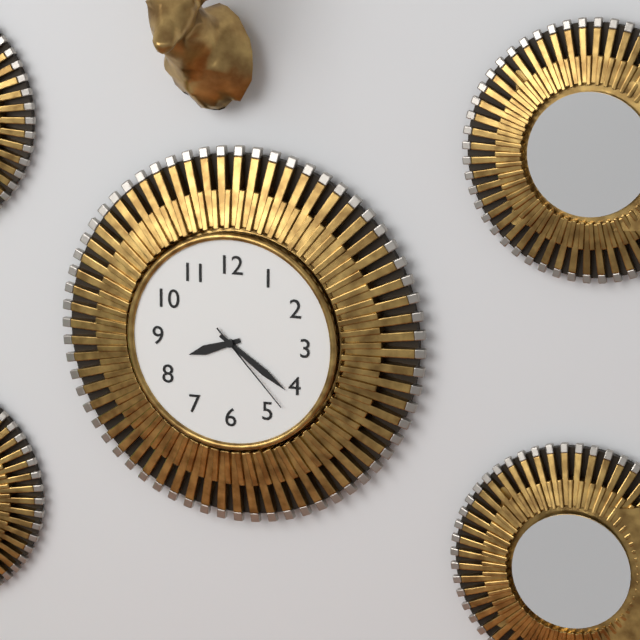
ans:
**8:21:23**
